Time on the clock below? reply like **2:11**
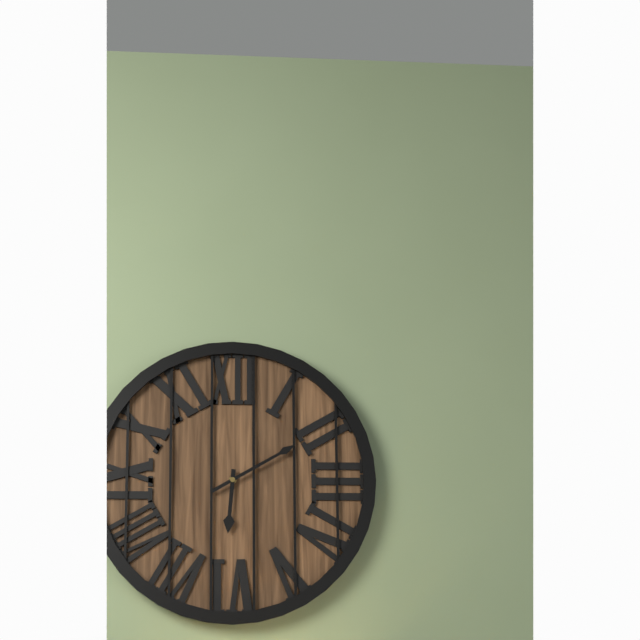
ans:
**6:10**
